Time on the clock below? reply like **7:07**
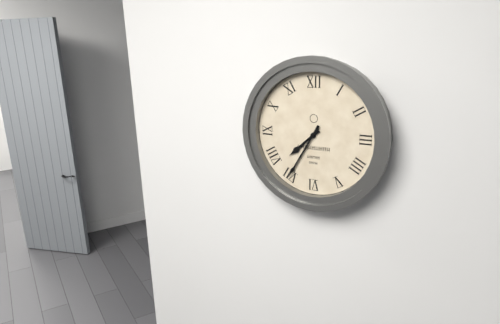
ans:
**7:35**
